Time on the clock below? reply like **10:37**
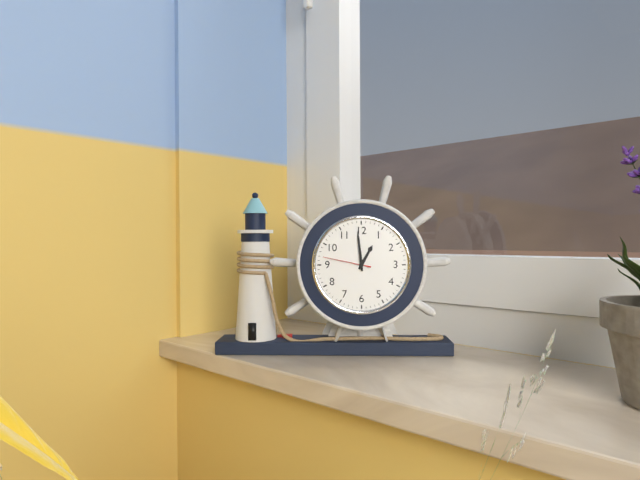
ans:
**12:59**
